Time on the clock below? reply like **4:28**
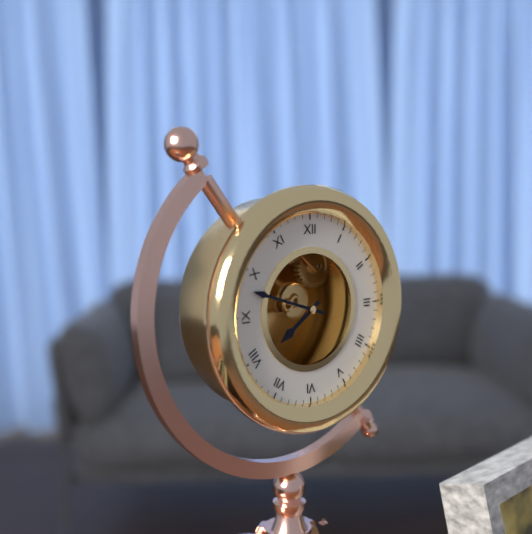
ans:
**7:48**
